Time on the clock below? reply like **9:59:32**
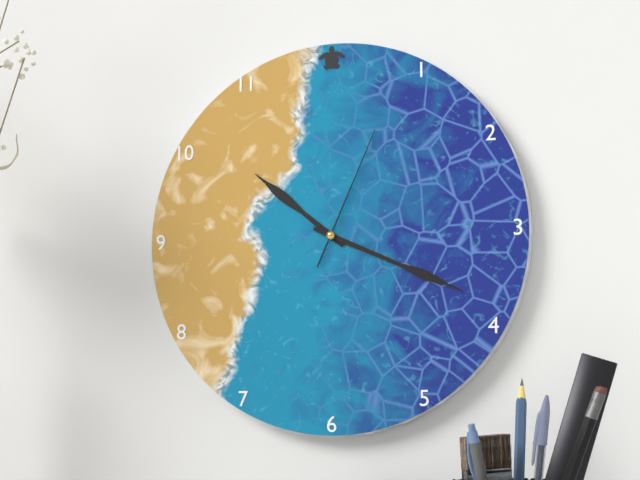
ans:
**10:19:04**
